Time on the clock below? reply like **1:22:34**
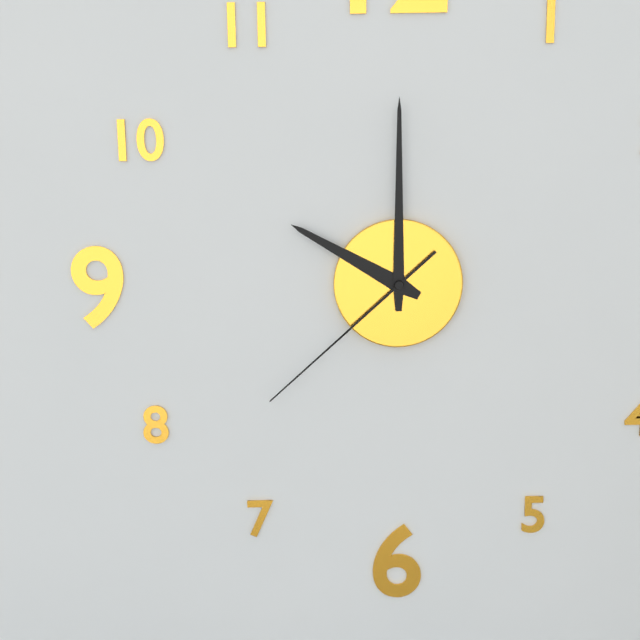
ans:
**10:00:38**
